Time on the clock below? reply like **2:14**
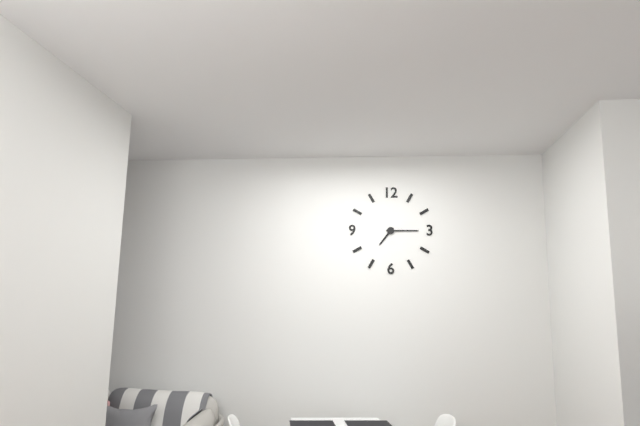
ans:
**7:15**
